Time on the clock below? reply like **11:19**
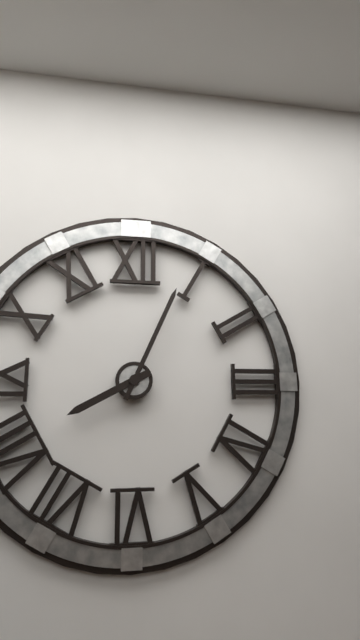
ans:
**8:04**
